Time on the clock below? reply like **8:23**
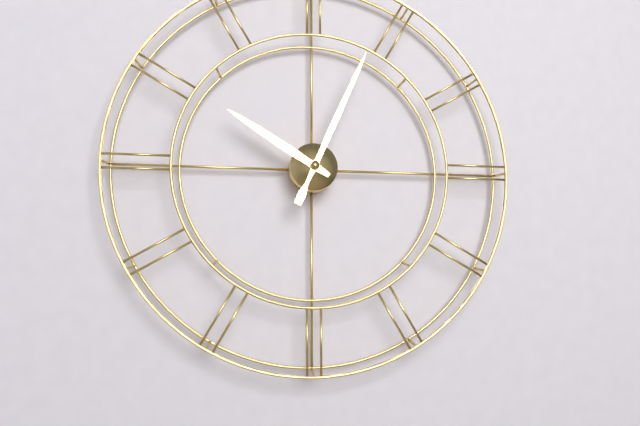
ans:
**10:04**
